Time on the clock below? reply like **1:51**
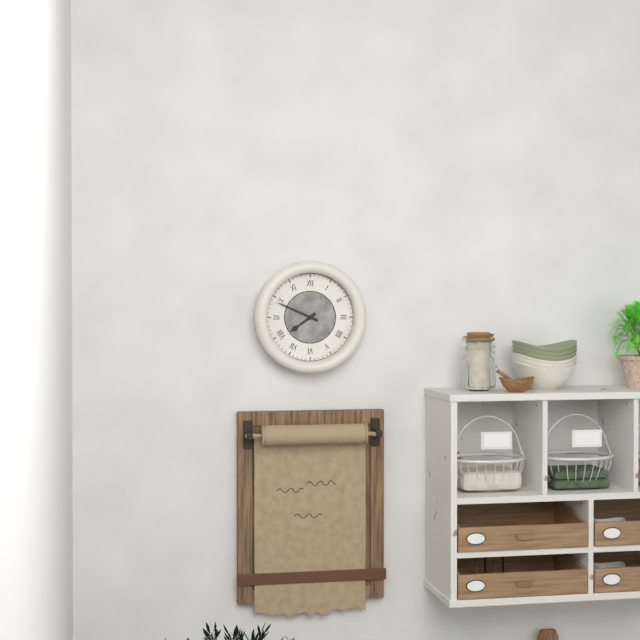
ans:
**7:49**
